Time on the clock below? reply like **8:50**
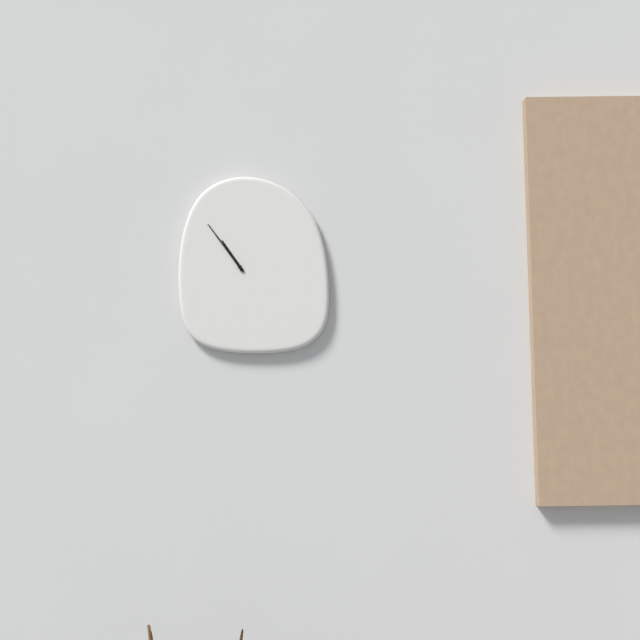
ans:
**10:54**
